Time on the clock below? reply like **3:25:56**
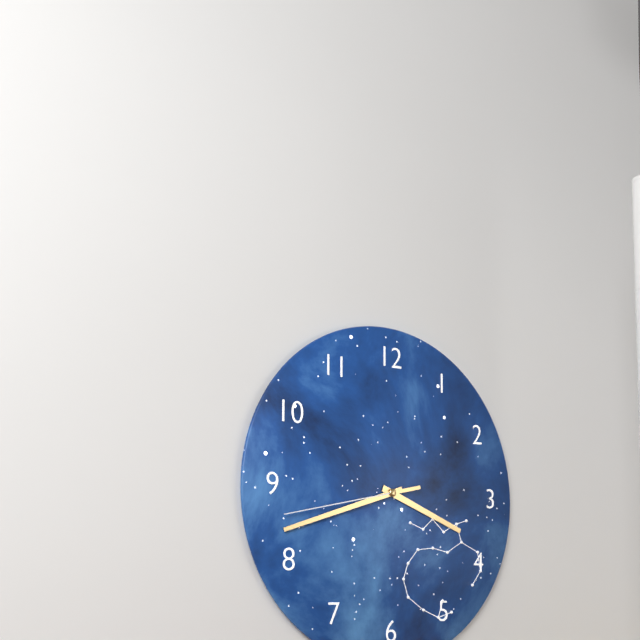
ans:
**3:42:43**
